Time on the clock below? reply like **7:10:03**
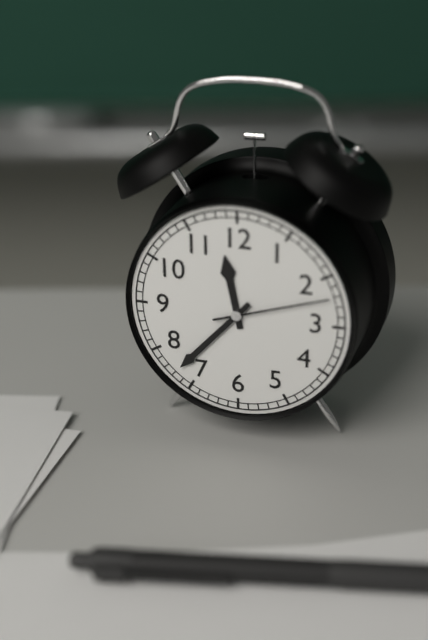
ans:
**11:37:12**
